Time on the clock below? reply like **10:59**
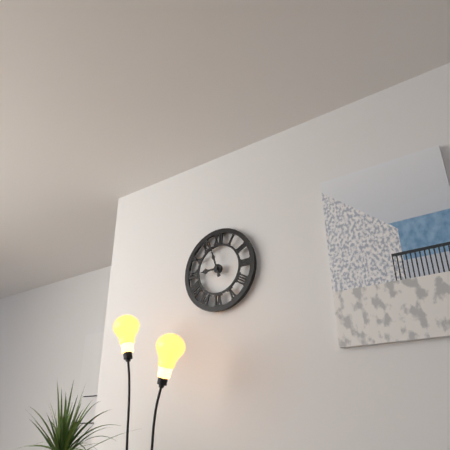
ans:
**8:57**
